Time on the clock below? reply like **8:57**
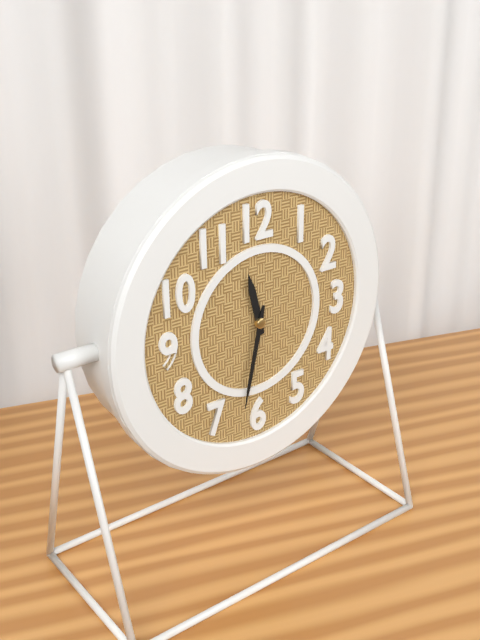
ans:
**11:32**
